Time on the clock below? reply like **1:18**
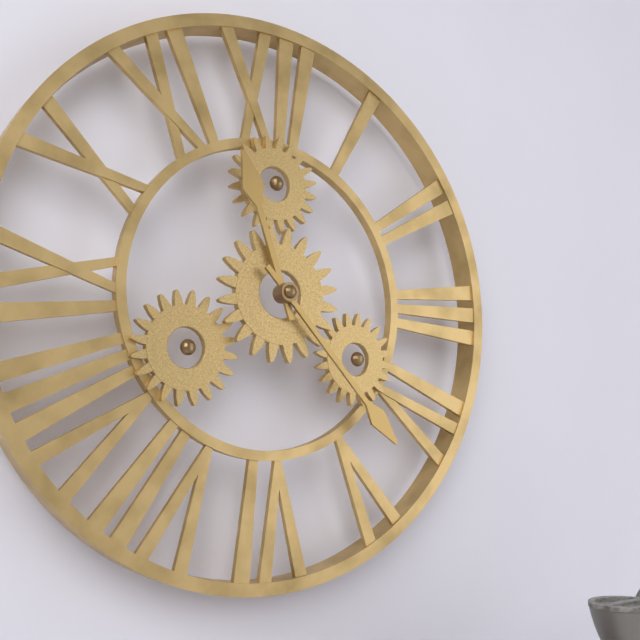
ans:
**11:23**
